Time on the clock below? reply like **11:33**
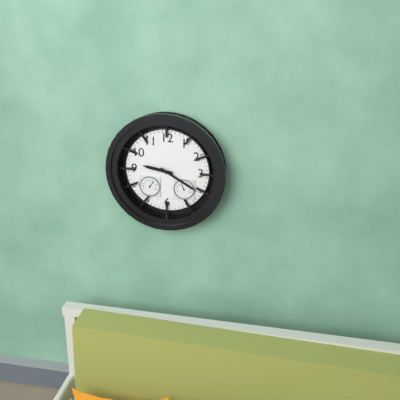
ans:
**9:20**
